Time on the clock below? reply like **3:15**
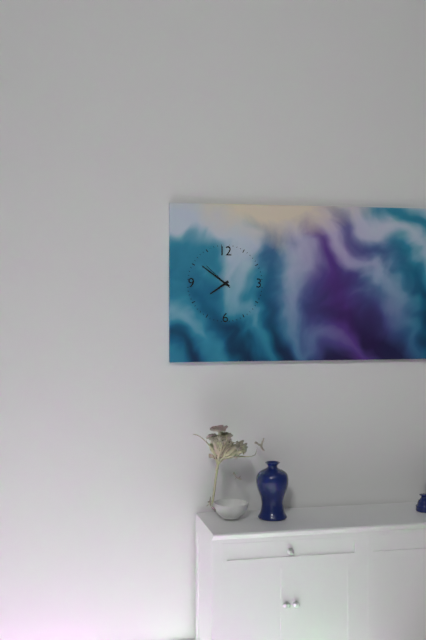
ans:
**7:51**
